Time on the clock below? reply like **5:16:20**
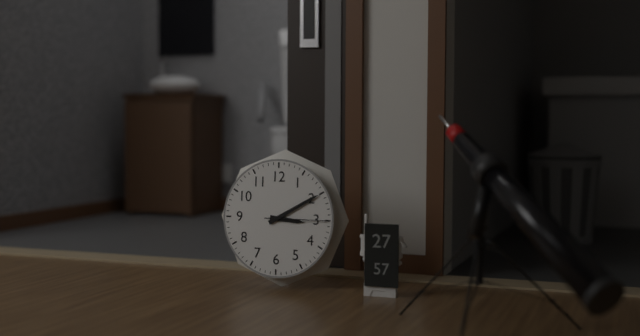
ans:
**3:10:15**
